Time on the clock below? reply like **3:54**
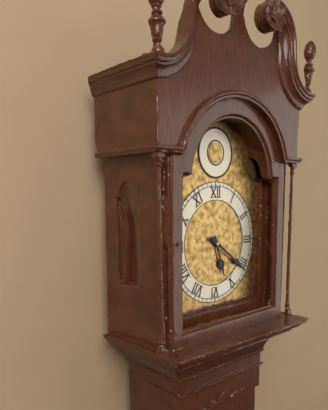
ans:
**5:21**
